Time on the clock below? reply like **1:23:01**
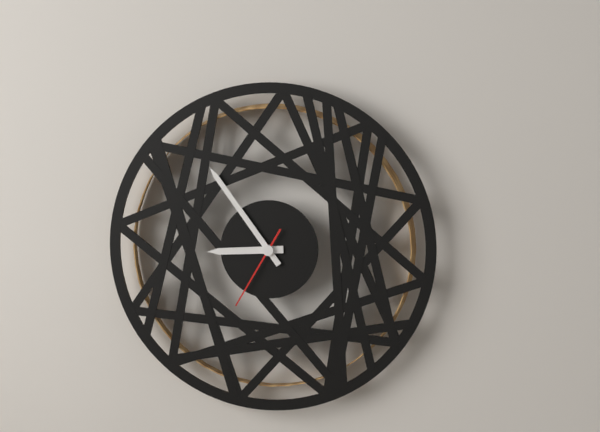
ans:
**8:54:35**
